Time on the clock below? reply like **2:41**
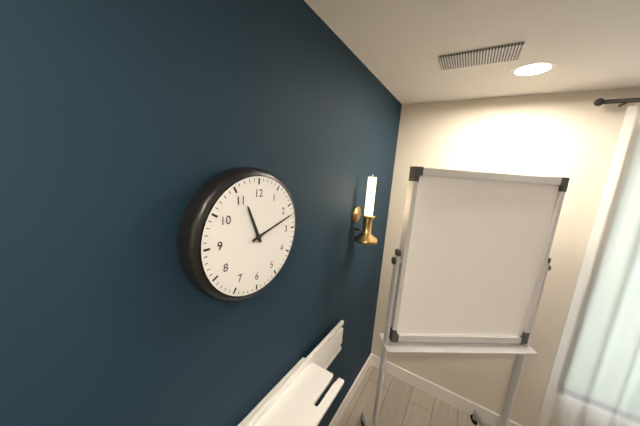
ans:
**11:12**
